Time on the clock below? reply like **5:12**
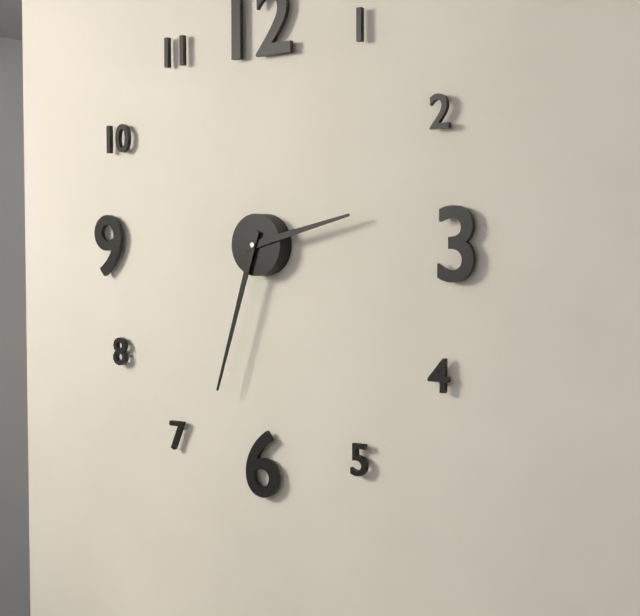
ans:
**2:33**
